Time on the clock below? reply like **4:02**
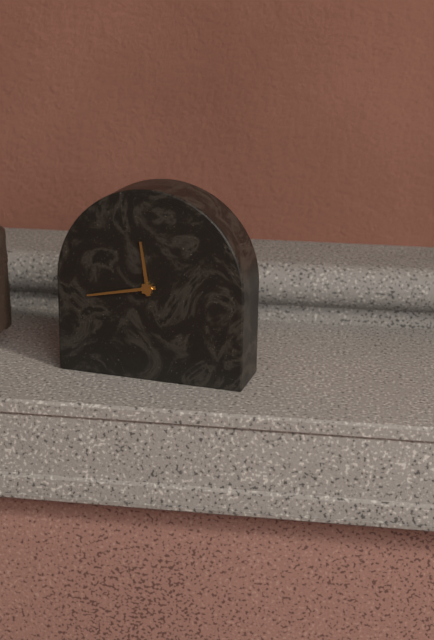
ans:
**11:43**
